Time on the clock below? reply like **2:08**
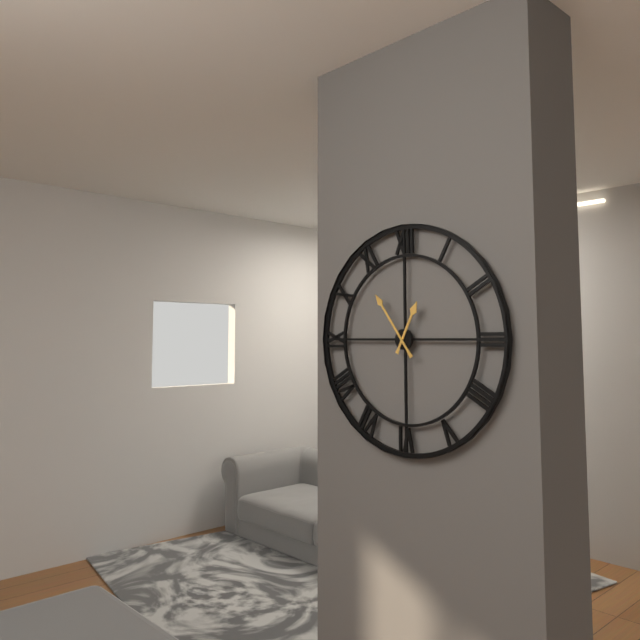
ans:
**12:54**
